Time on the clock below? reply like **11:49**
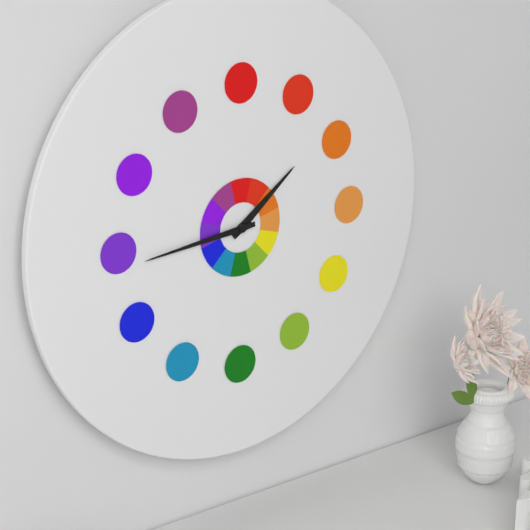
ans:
**1:44**
